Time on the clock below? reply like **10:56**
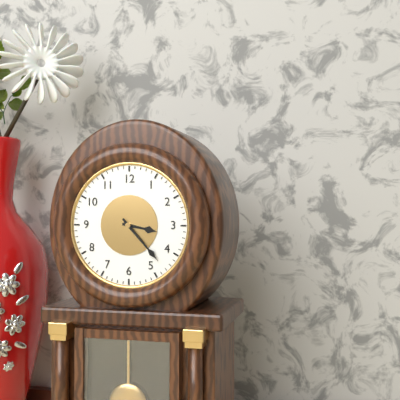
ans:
**3:23**
